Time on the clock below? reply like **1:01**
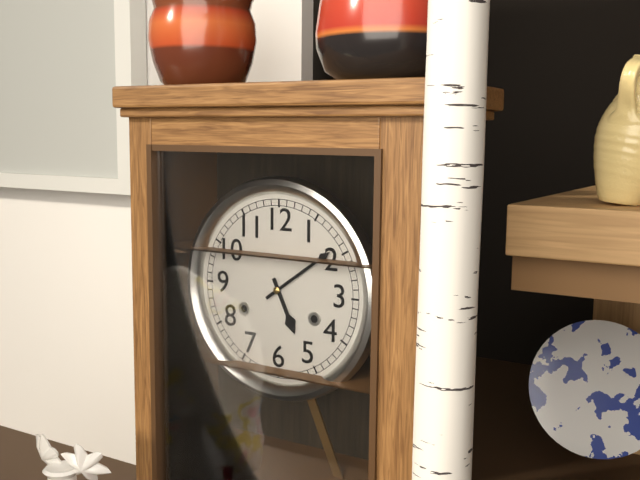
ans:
**5:09**
